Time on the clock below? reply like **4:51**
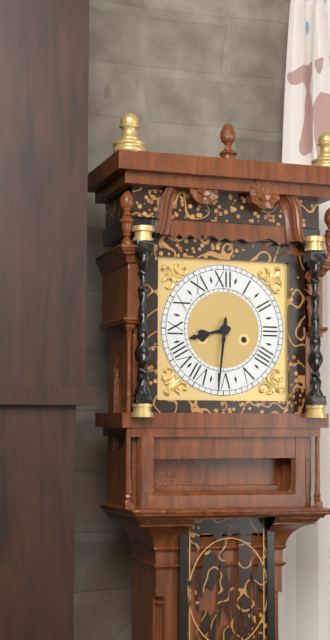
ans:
**8:31**
